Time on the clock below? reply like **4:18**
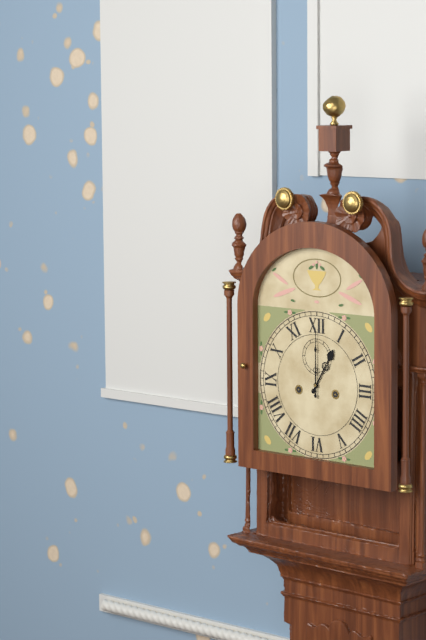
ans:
**1:00**
